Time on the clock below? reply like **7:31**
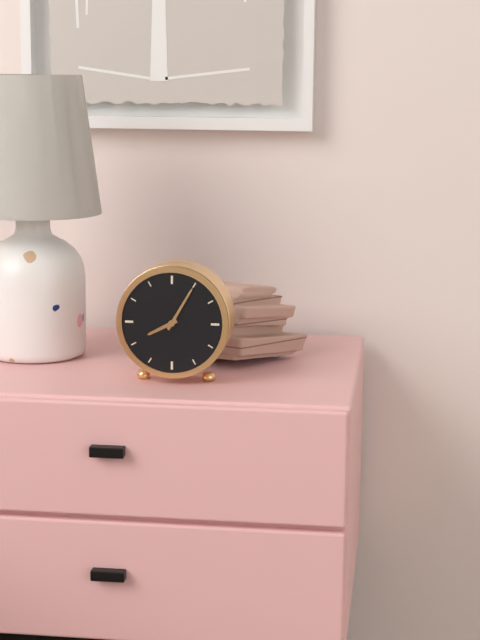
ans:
**8:05**
